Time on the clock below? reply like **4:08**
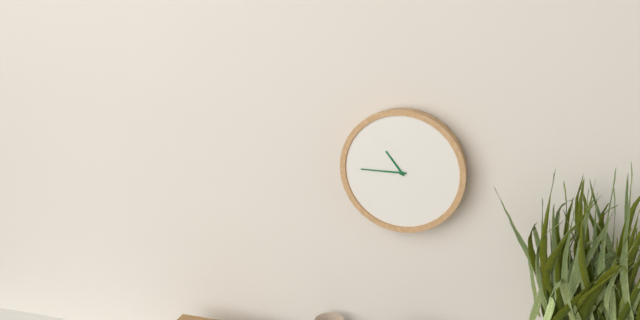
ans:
**10:45**
